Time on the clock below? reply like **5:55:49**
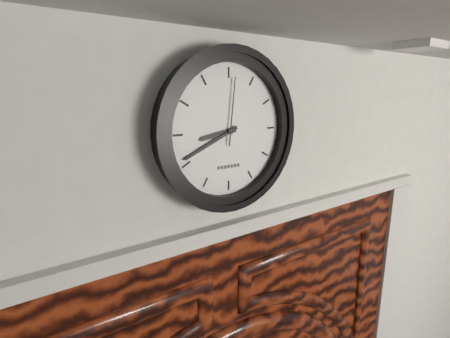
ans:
**8:41:01**
